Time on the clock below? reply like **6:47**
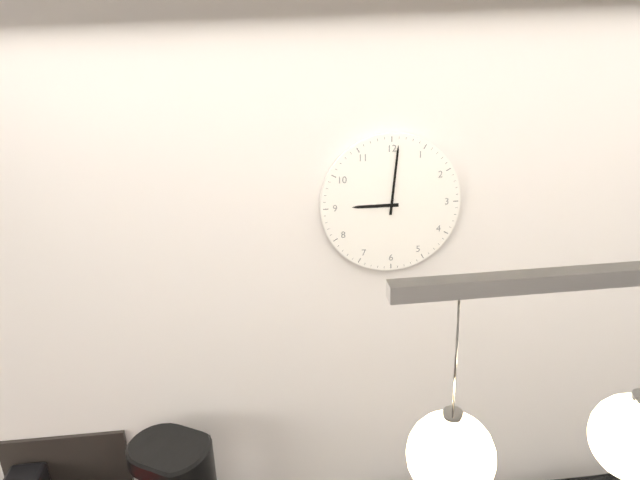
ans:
**9:01**
